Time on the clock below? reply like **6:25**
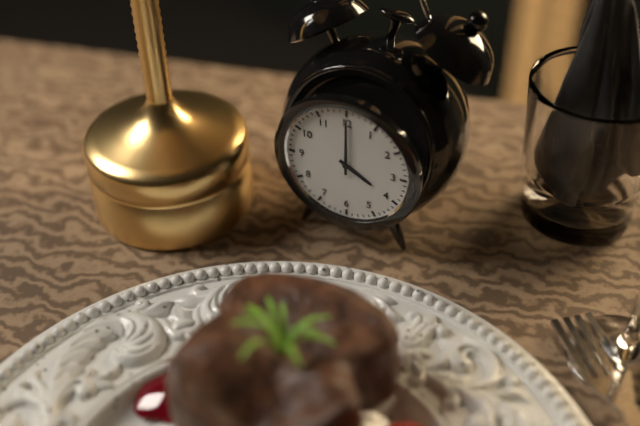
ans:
**4:00**
